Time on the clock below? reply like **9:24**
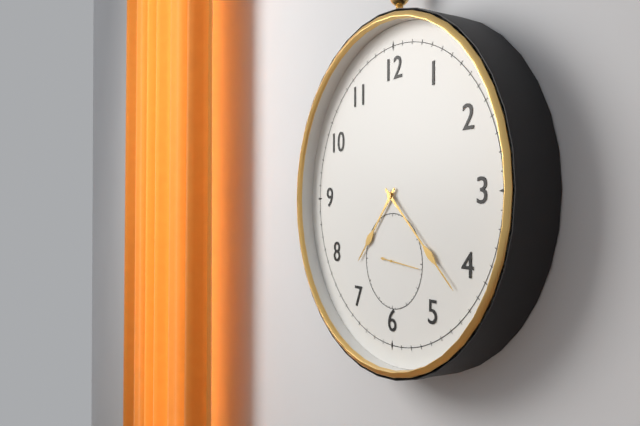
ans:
**7:22**
